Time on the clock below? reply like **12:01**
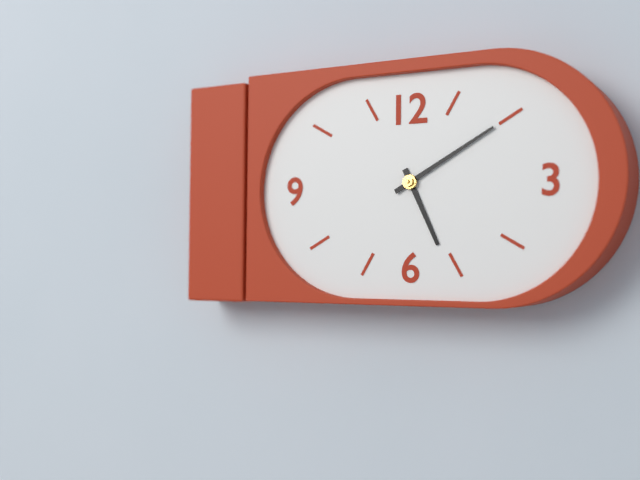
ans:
**5:10**
